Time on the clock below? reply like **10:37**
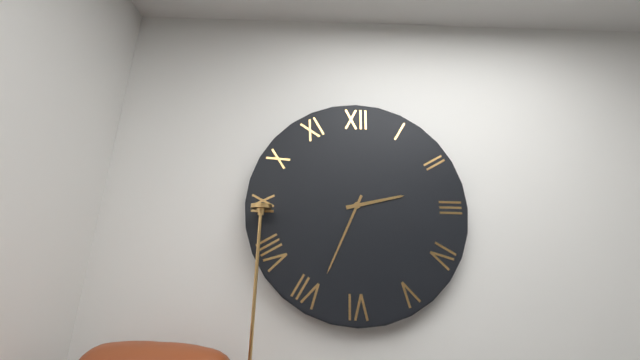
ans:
**2:34**
